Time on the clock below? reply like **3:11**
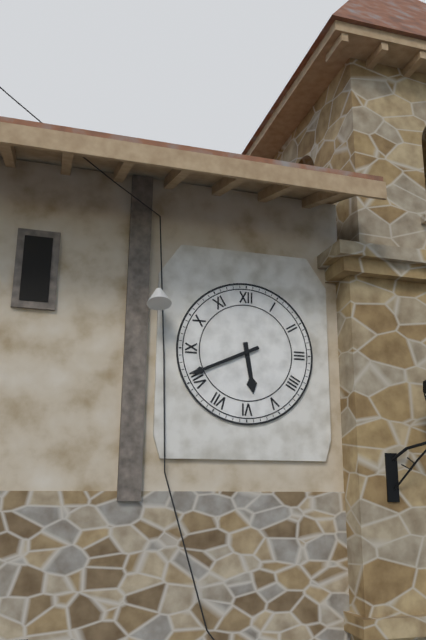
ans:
**5:41**
